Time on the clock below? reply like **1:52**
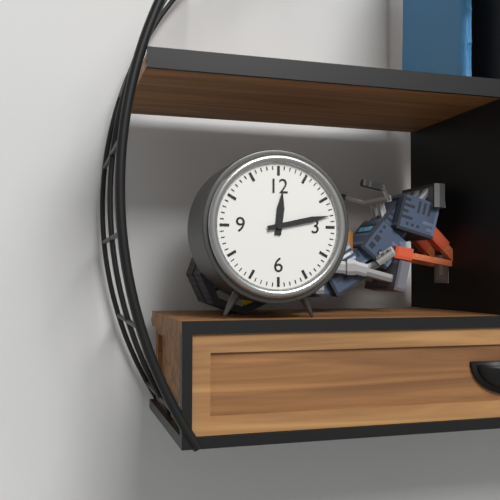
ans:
**12:13**
